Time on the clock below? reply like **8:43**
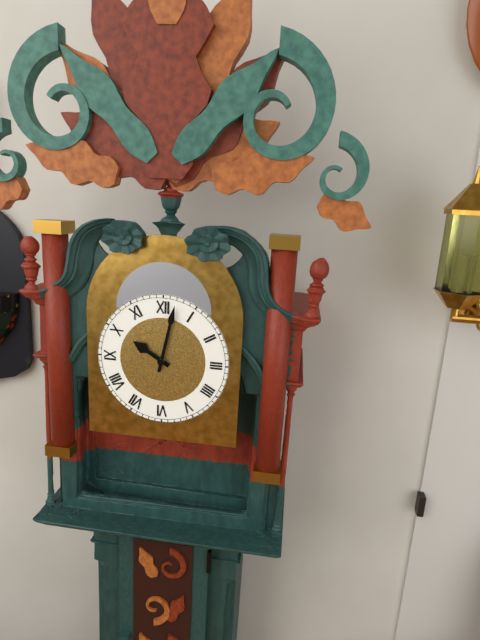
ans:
**10:02**
